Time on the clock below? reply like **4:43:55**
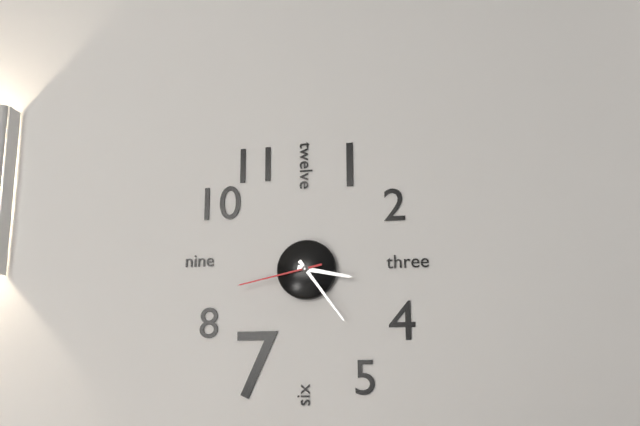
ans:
**3:24:43**
